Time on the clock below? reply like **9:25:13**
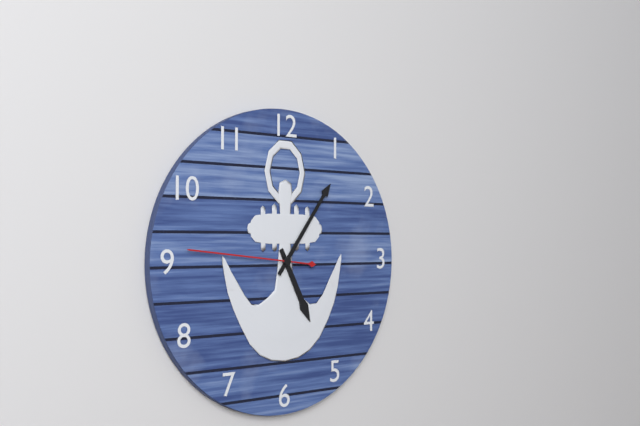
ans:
**5:06:46**
